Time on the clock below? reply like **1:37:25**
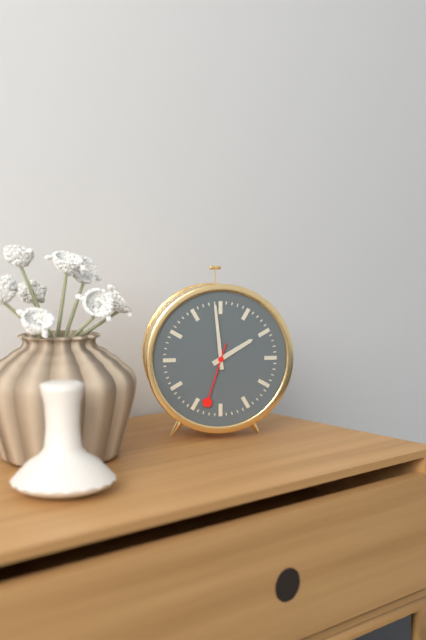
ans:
**1:59:33**
